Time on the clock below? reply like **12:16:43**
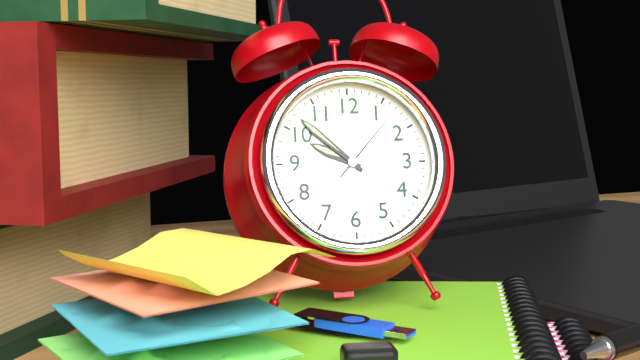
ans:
**9:52:07**
